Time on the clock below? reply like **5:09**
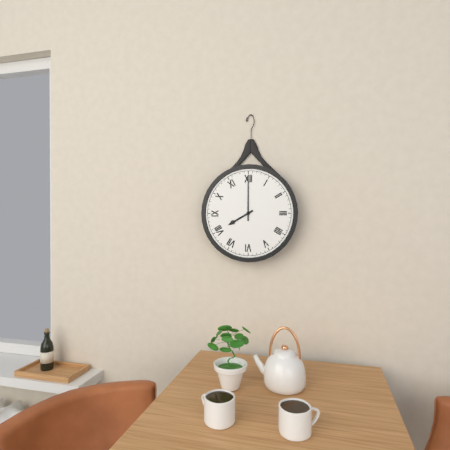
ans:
**8:00**
